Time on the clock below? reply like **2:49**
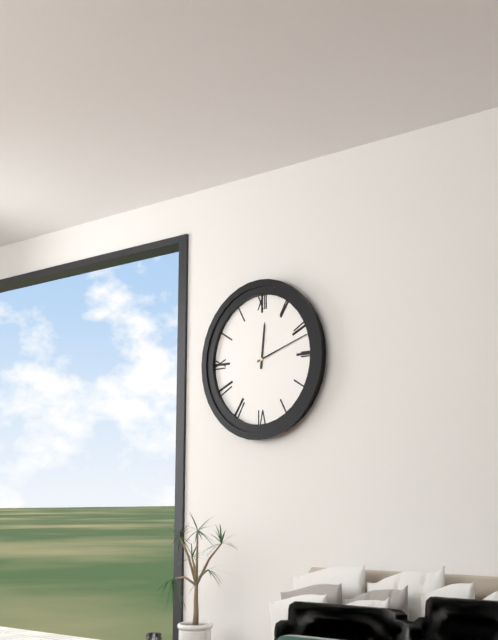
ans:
**12:12**
